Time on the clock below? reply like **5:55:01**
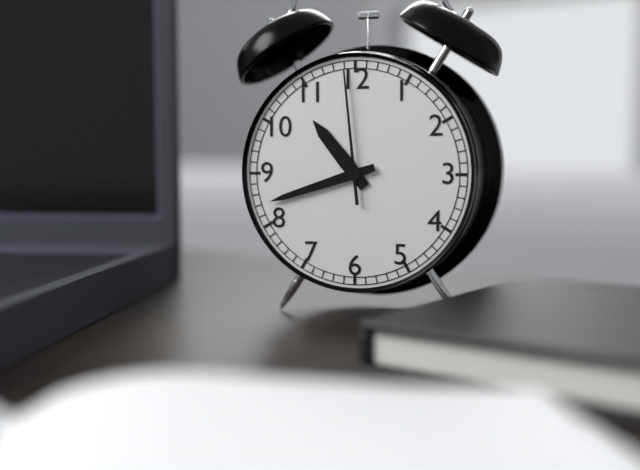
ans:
**10:42:59**
